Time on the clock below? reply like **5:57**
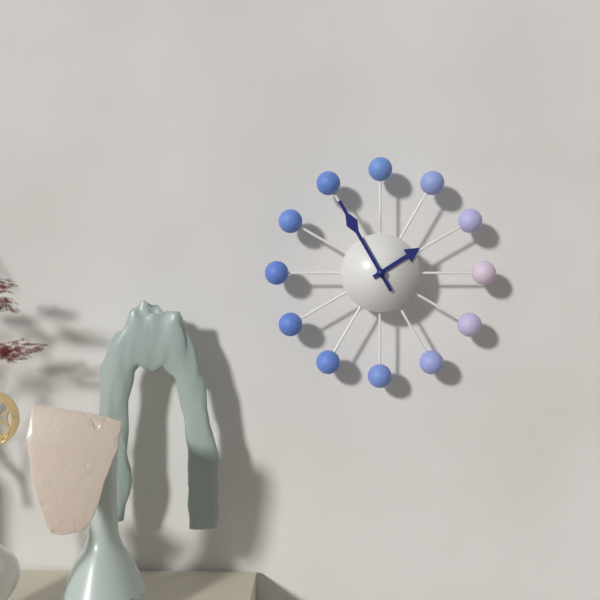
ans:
**1:55**
